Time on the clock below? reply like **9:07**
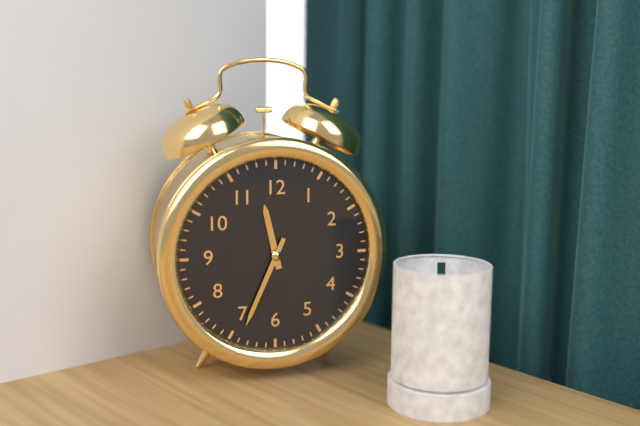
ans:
**11:34**
